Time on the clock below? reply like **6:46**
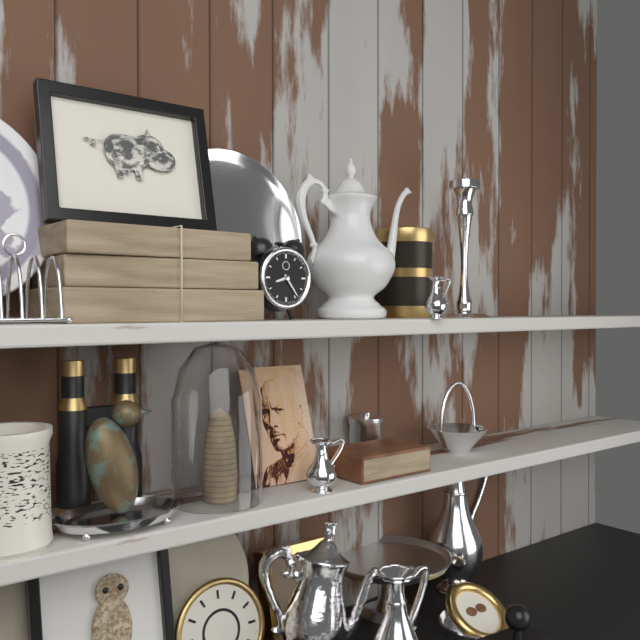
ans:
**8:24**
